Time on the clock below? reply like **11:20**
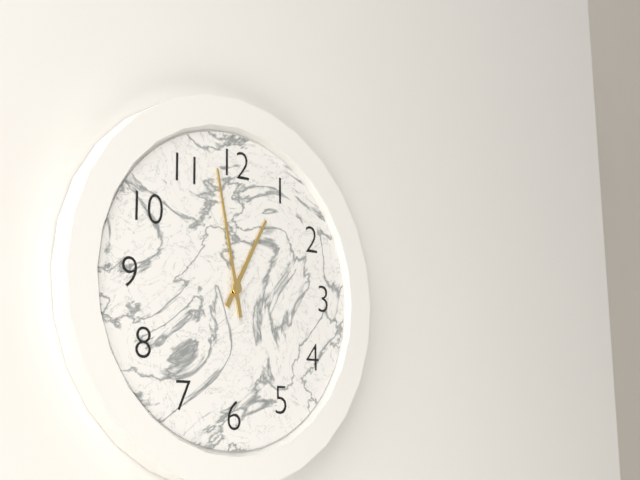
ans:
**12:58**
